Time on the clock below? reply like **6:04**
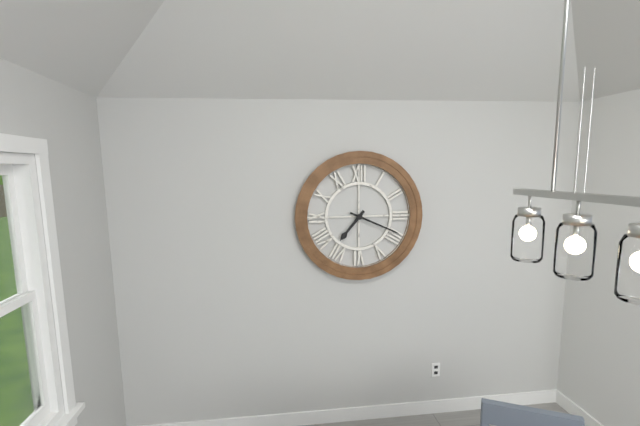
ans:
**7:19**
